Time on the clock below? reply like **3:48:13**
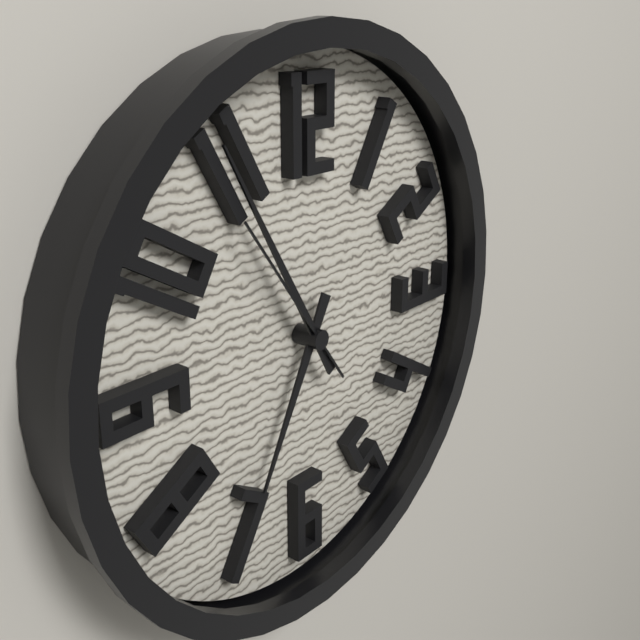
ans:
**6:55:54**
